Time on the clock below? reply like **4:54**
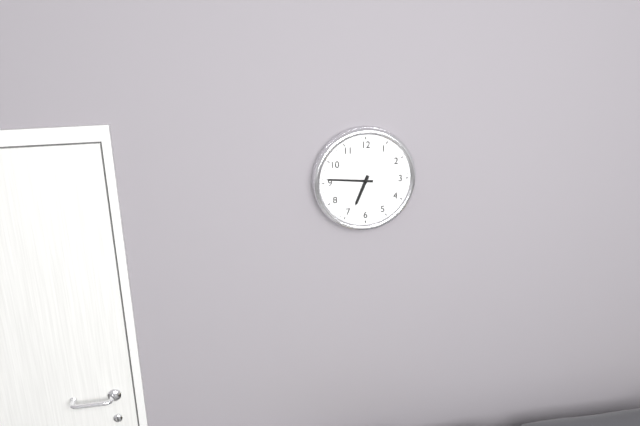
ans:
**6:46**
